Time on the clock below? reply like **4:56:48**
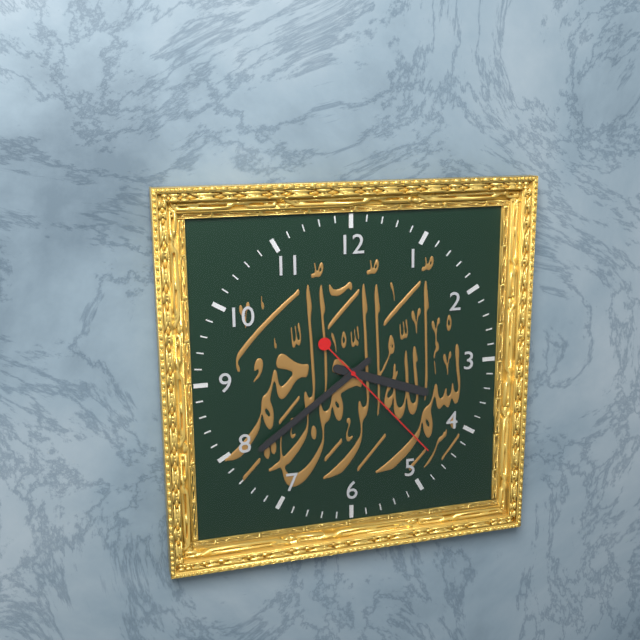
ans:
**3:39:23**
